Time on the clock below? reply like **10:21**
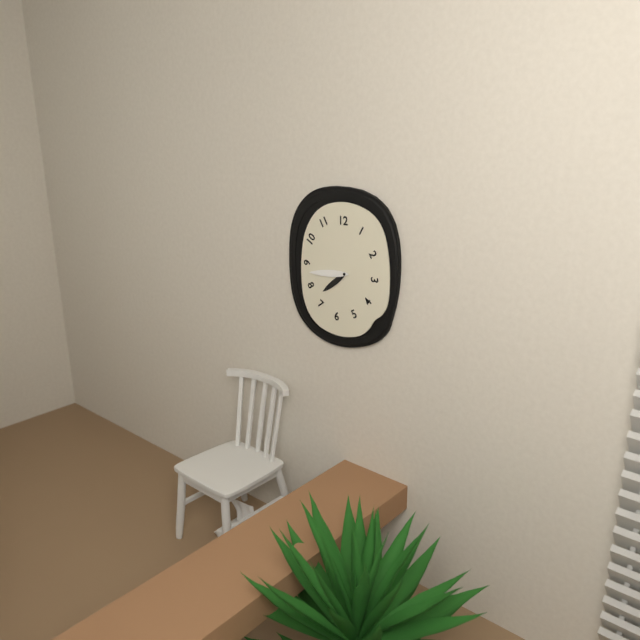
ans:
**7:44**
